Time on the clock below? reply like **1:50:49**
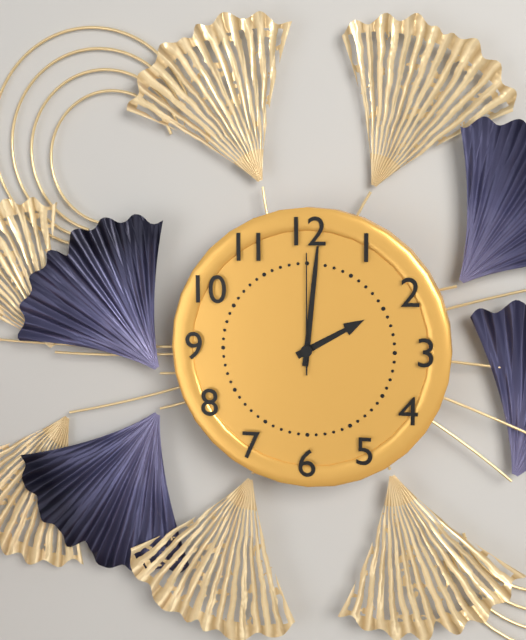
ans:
**2:01:00**
